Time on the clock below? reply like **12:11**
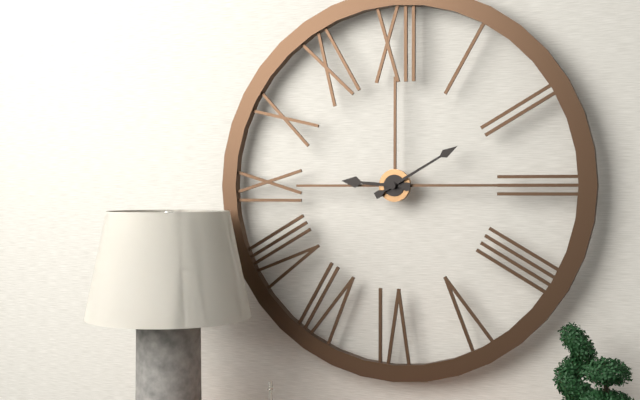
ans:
**9:10**
